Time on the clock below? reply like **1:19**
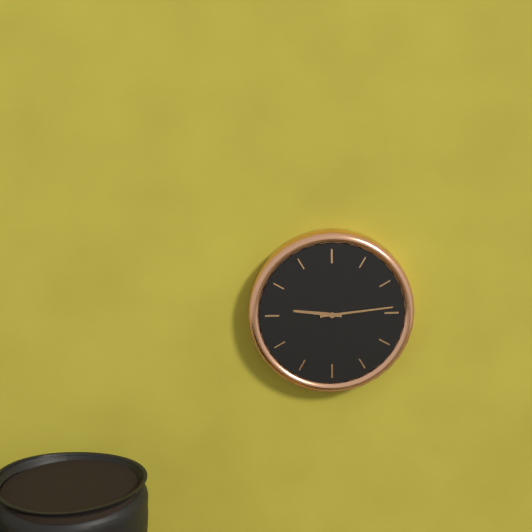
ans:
**9:14**
